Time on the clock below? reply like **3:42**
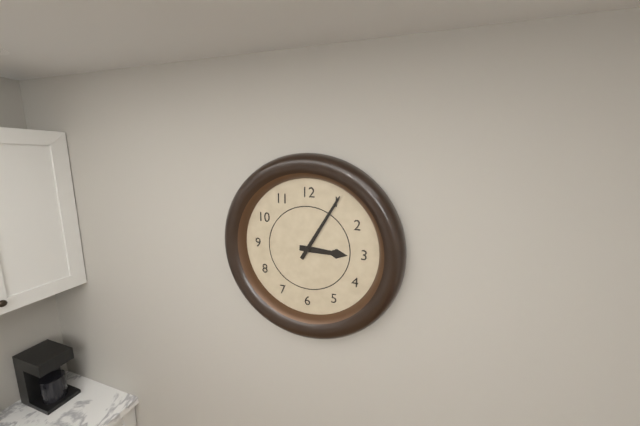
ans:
**3:05**
